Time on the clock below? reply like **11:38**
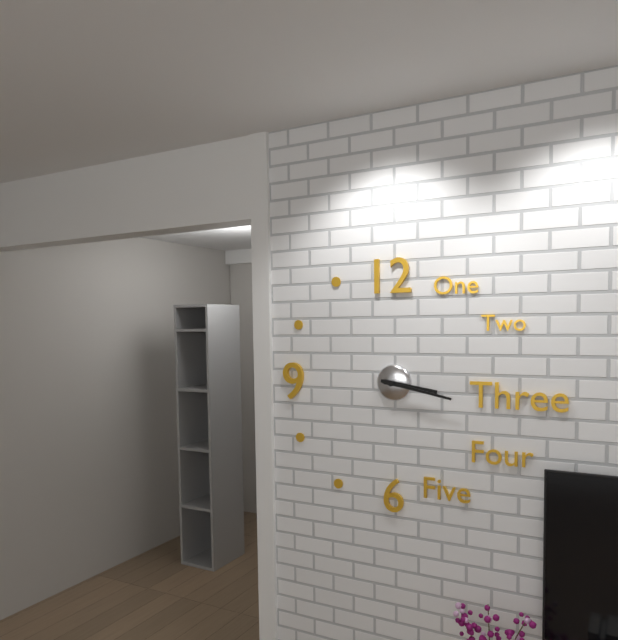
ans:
**3:17**
